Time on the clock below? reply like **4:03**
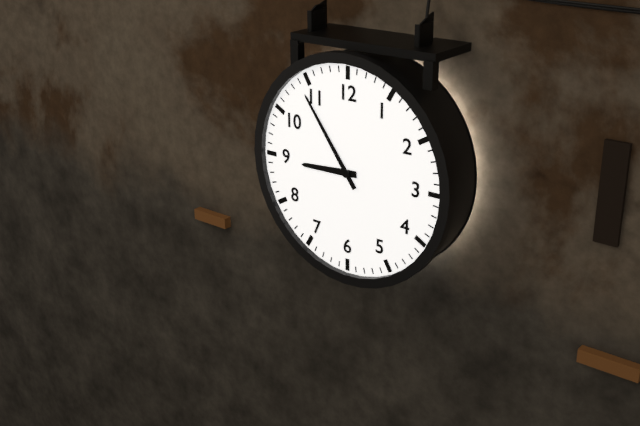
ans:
**8:54**
